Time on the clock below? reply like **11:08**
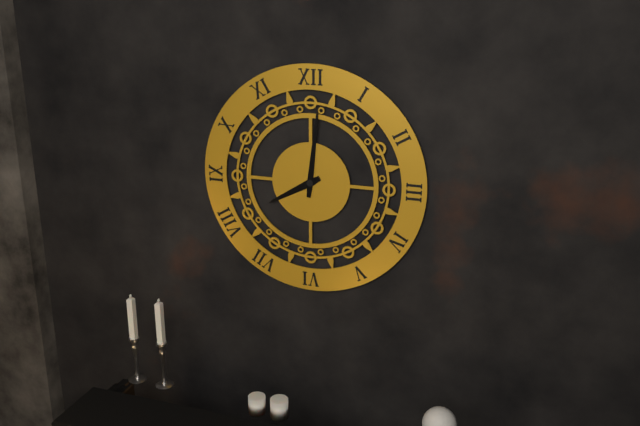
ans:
**8:01**
